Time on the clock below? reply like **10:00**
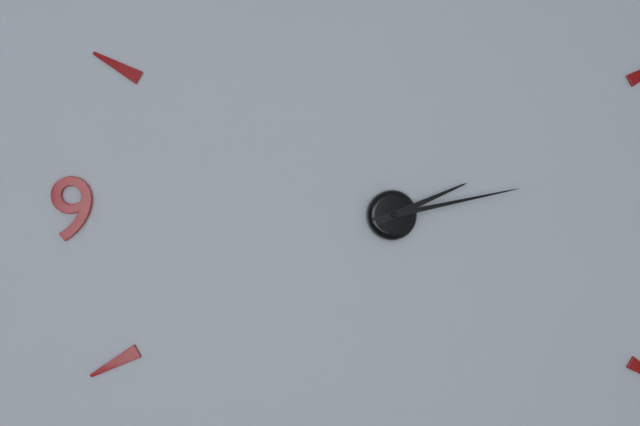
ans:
**2:13**
